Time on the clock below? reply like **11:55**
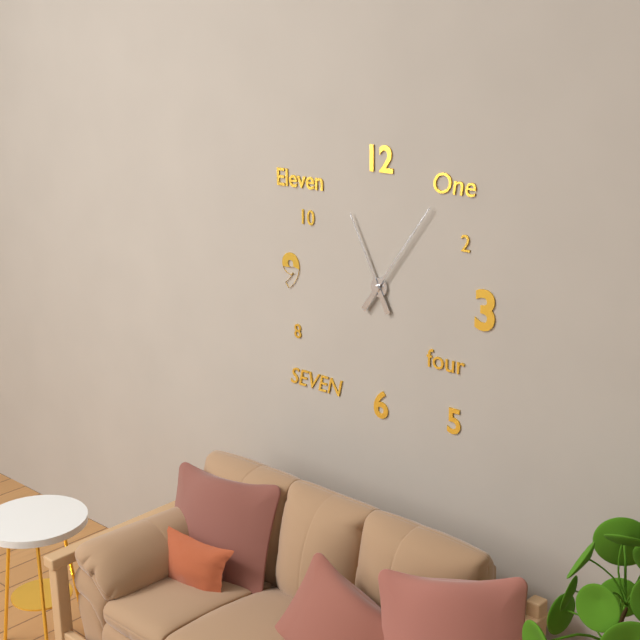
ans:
**11:06**
